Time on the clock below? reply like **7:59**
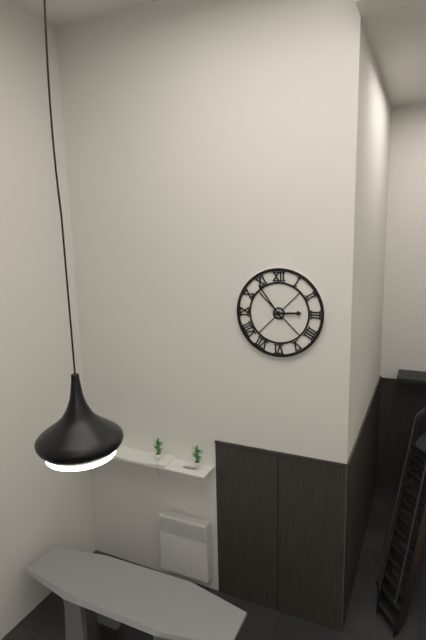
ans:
**2:54**
